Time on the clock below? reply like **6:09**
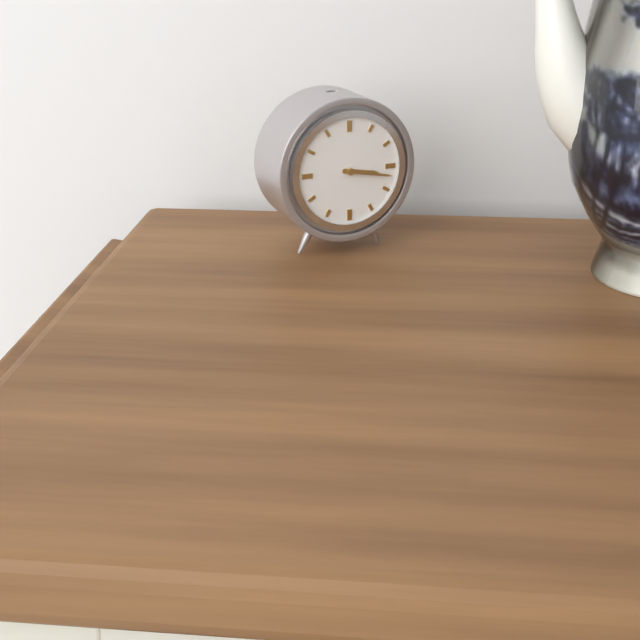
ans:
**3:17**
